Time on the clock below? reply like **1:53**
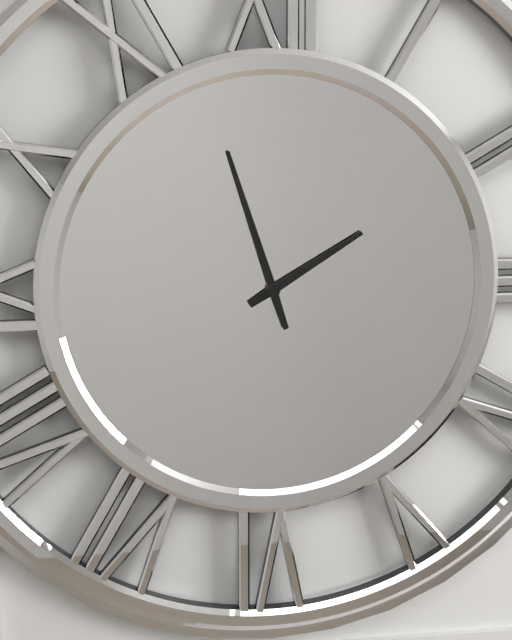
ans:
**1:57**
